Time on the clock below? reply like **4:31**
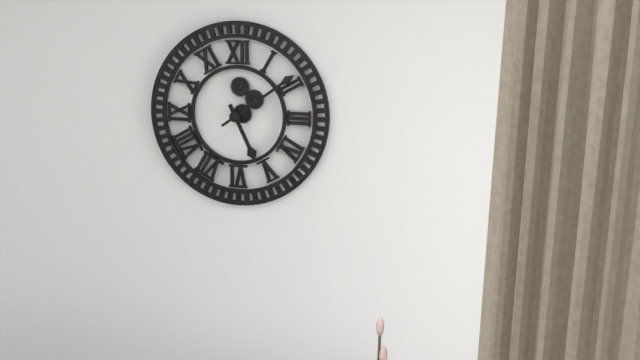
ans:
**5:09**
